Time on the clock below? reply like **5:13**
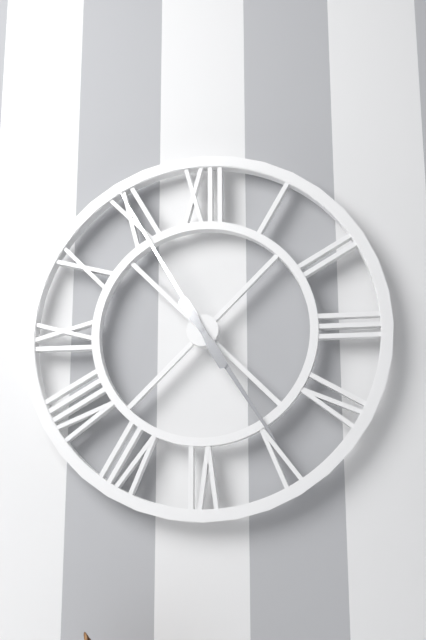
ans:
**4:55**
